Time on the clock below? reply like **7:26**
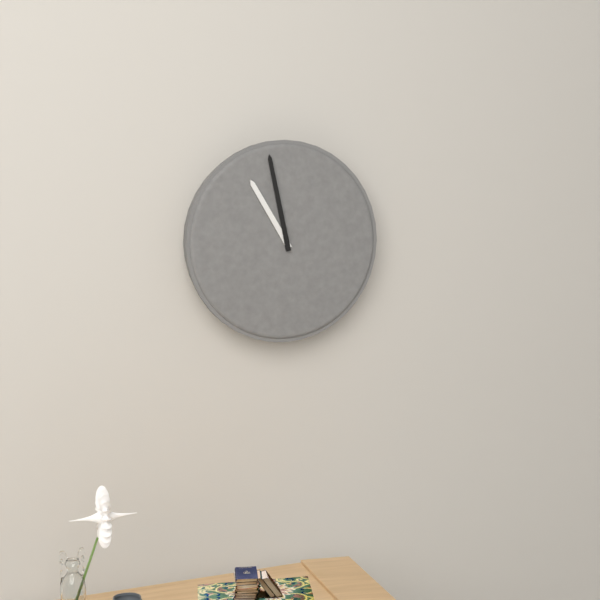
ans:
**10:58**
